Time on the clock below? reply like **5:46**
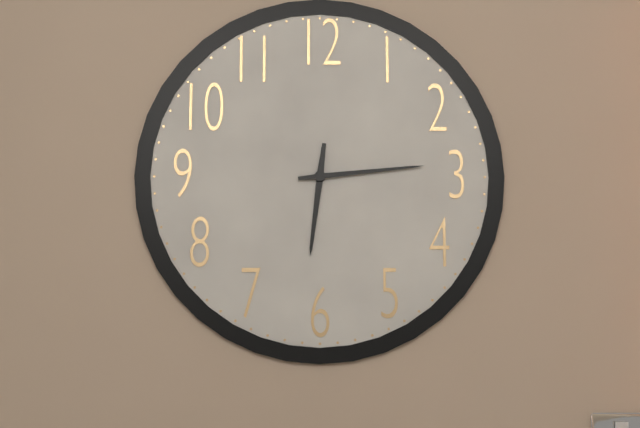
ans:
**6:14**
